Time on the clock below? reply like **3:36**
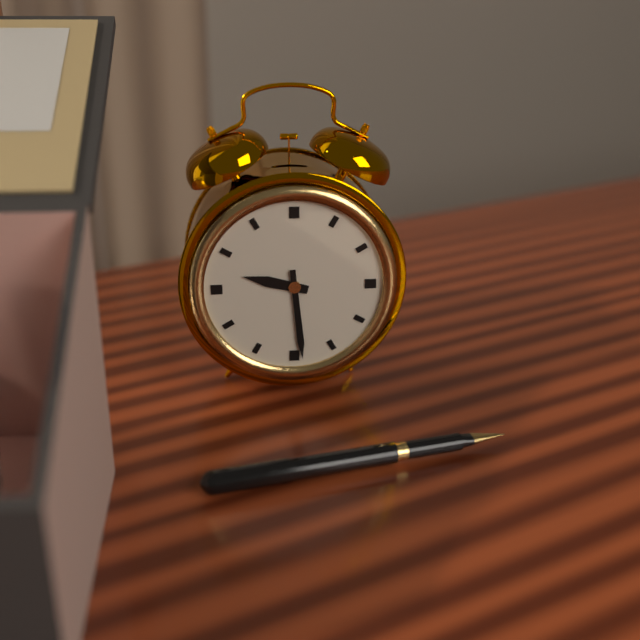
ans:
**9:29**
